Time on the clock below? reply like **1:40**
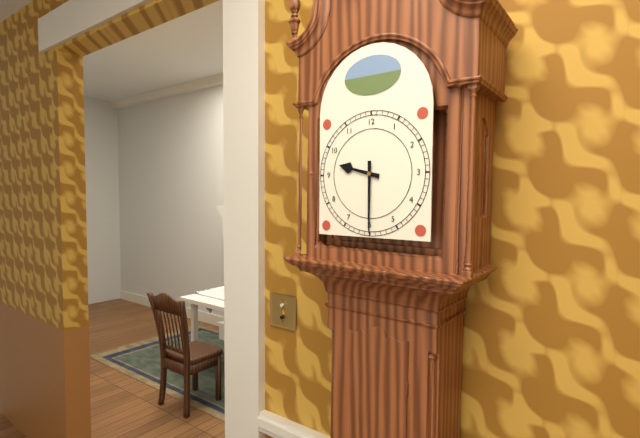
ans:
**9:30**
